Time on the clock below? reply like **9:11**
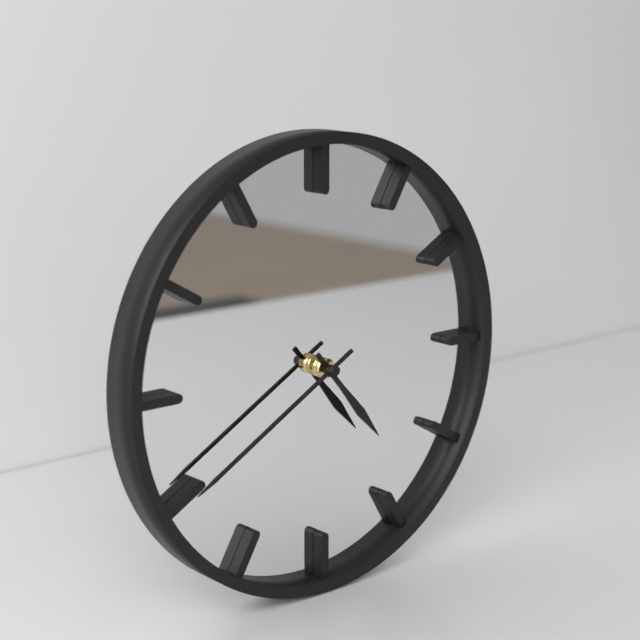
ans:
**4:40**
